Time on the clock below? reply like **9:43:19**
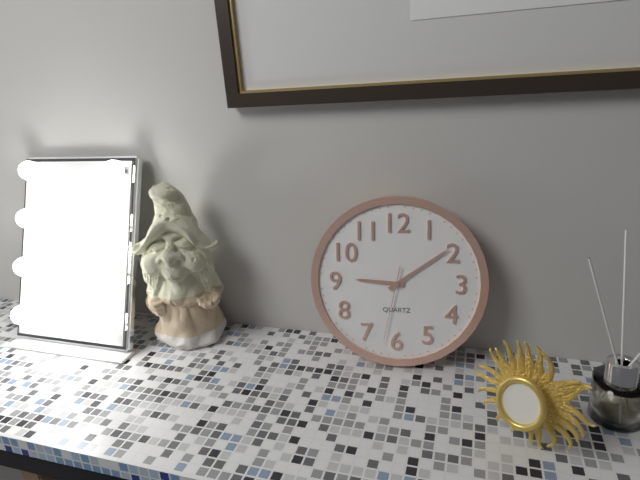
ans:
**9:09:32**
